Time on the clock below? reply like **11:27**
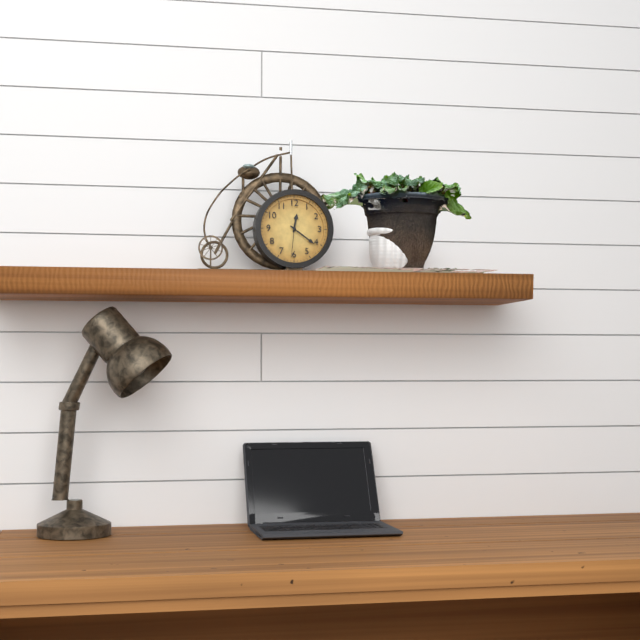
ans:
**12:21**
